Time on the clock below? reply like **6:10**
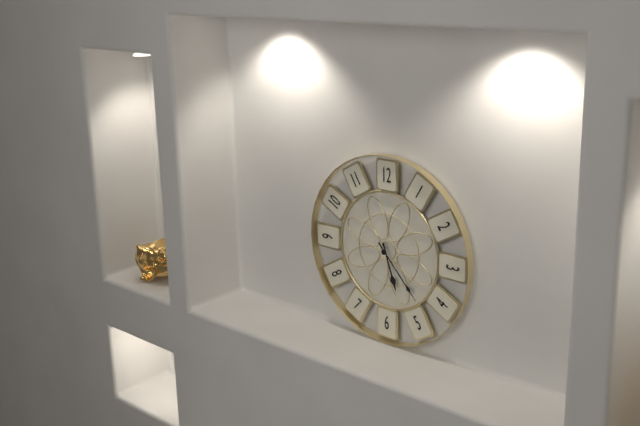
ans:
**5:23**
